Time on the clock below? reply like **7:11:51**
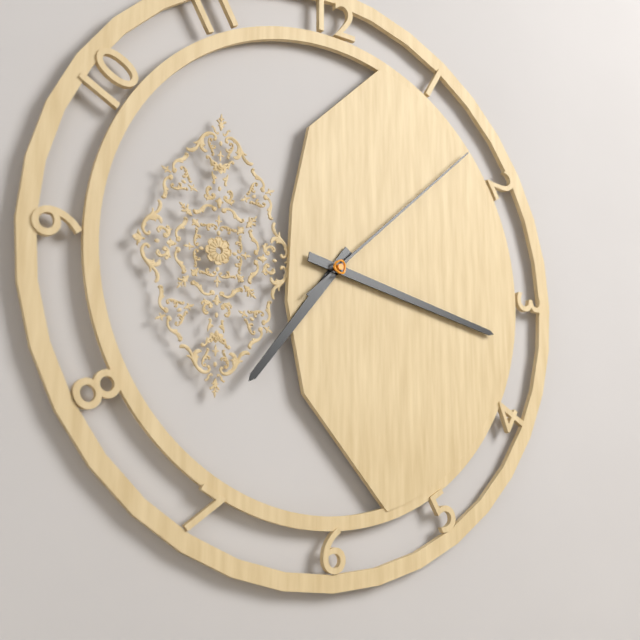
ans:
**7:17:08**
